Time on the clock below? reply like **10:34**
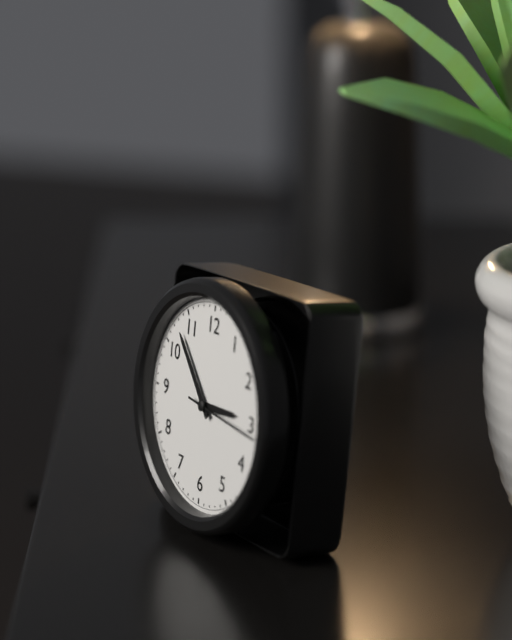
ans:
**2:53**
